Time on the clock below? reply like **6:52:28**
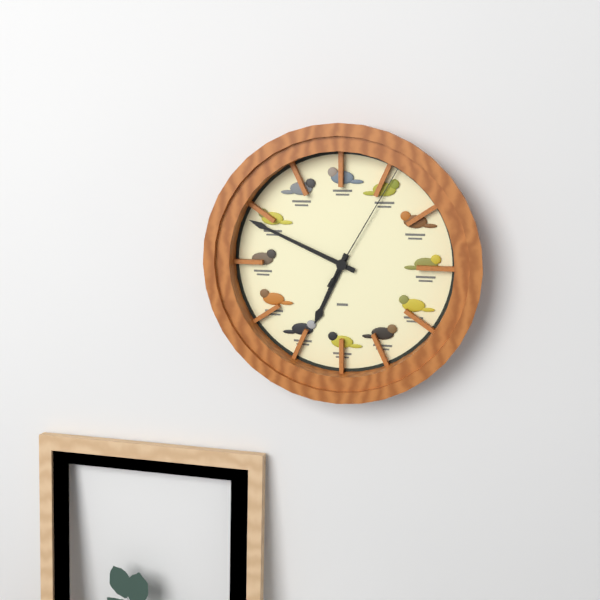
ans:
**6:49:05**
